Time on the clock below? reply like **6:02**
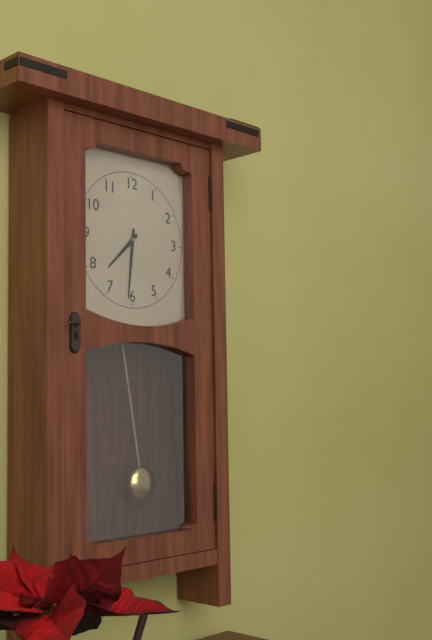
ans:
**7:31**
